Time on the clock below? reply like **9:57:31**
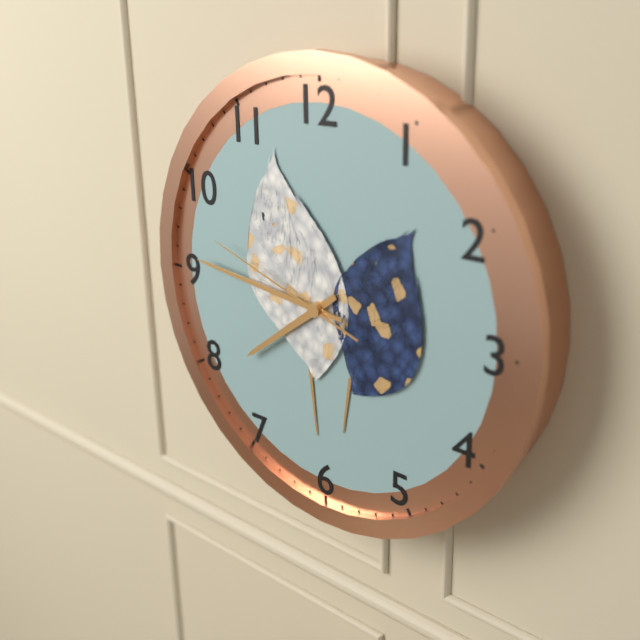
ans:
**7:46:48**
